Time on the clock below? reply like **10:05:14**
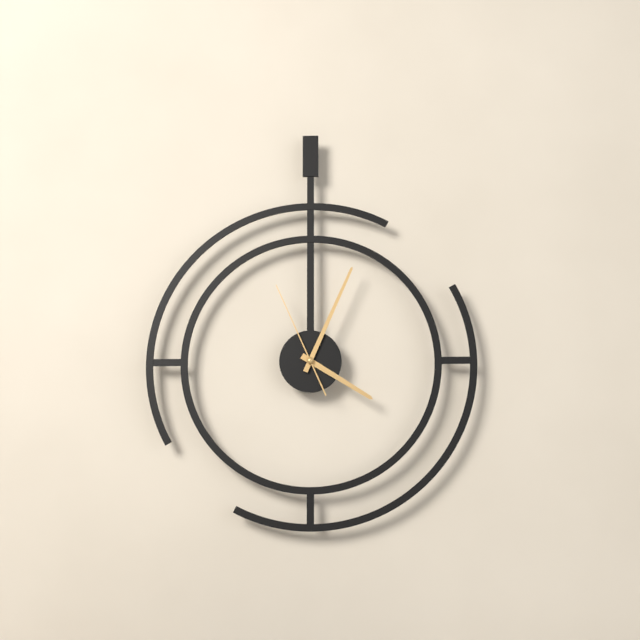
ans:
**4:04:56**
